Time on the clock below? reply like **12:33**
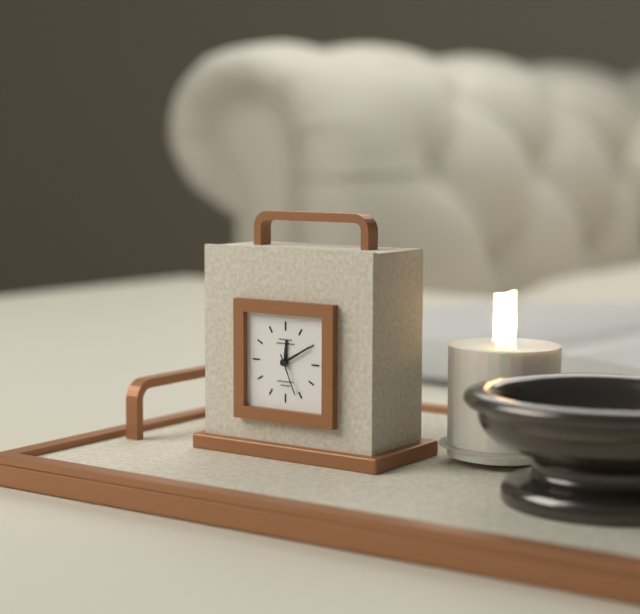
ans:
**12:10**
